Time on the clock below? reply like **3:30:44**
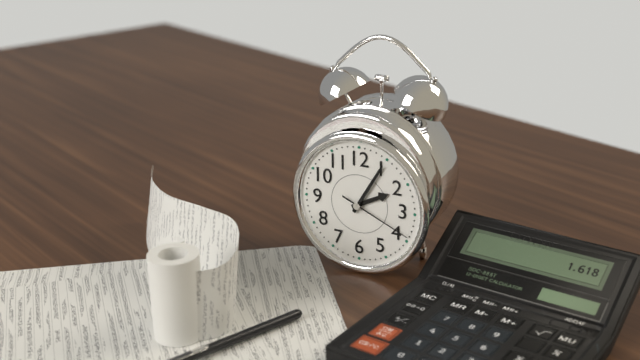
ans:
**2:05:19**
